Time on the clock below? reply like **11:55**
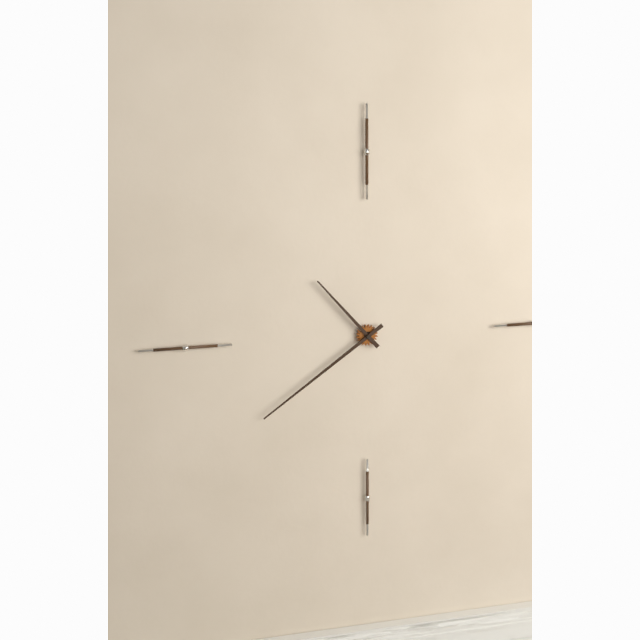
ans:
**10:39**
